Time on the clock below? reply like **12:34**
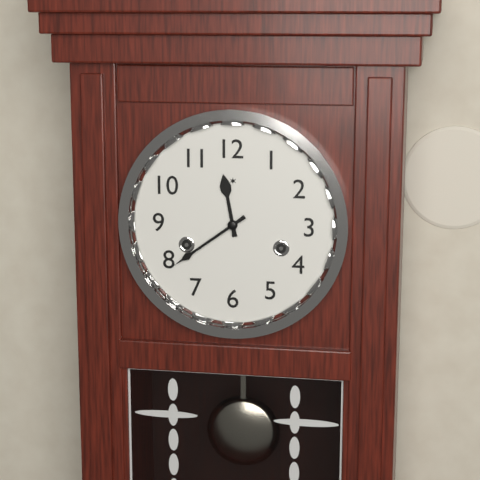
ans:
**11:39**
